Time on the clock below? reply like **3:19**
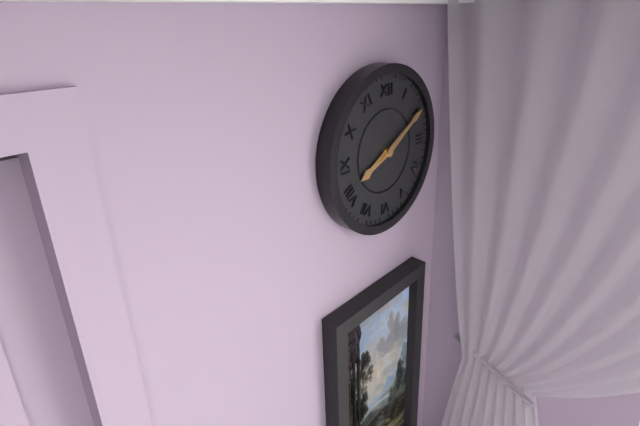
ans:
**8:10**
